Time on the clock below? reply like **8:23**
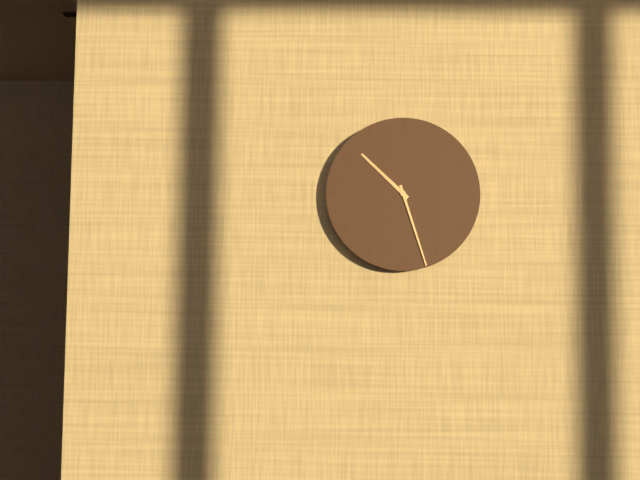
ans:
**10:27**
